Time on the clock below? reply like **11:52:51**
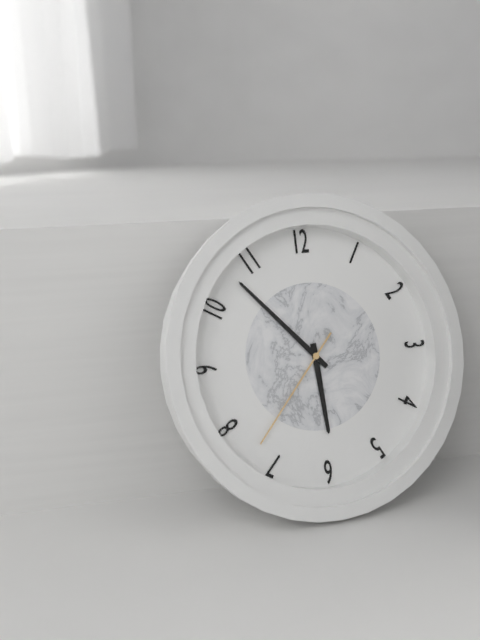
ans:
**5:53:37**
